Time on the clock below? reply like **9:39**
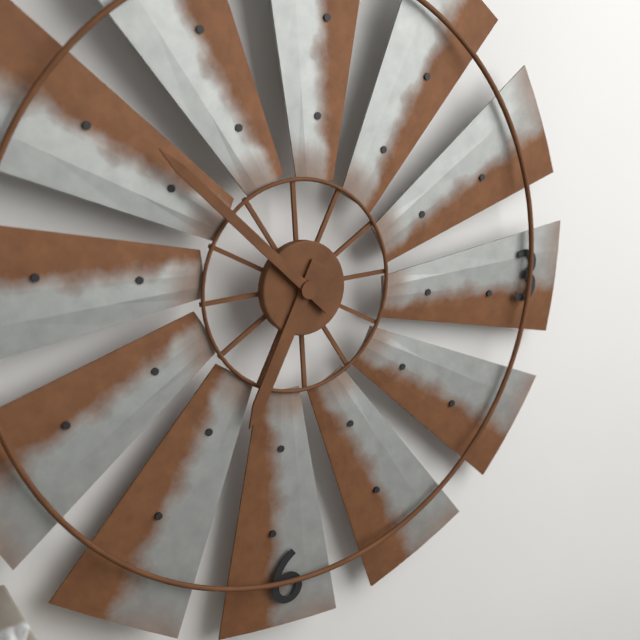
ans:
**6:52**
